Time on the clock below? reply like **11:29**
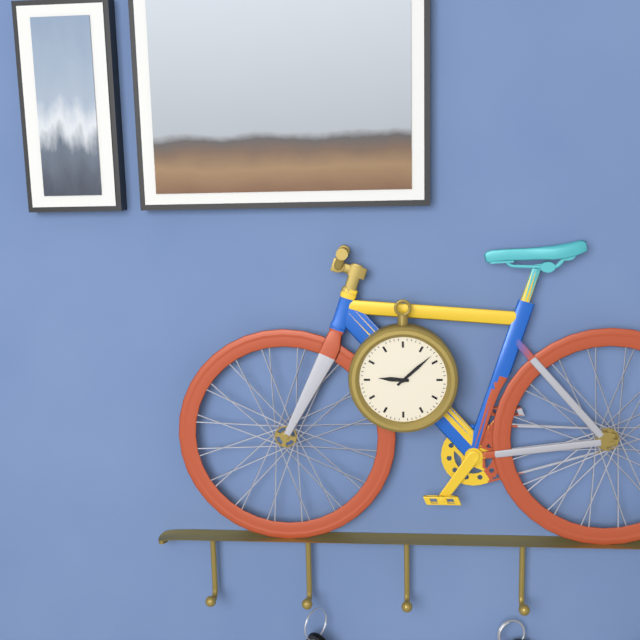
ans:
**9:08**
